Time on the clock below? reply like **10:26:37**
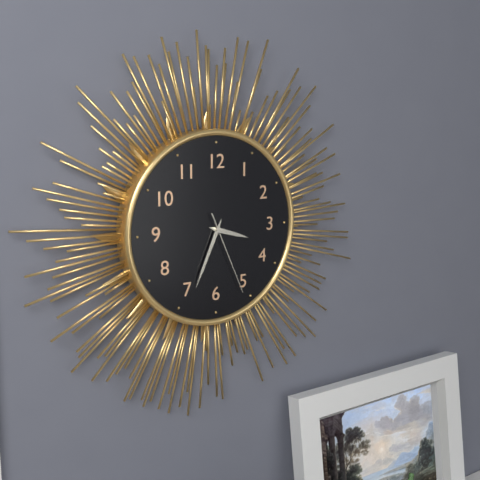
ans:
**3:34:26**
